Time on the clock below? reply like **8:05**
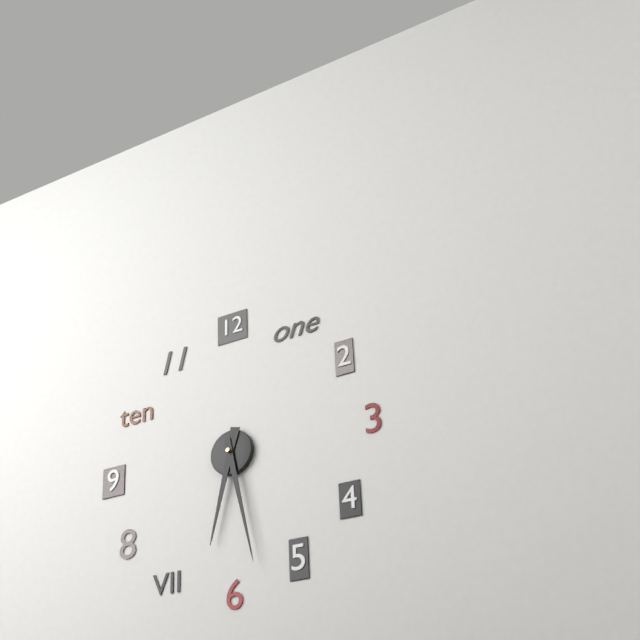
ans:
**6:28**
